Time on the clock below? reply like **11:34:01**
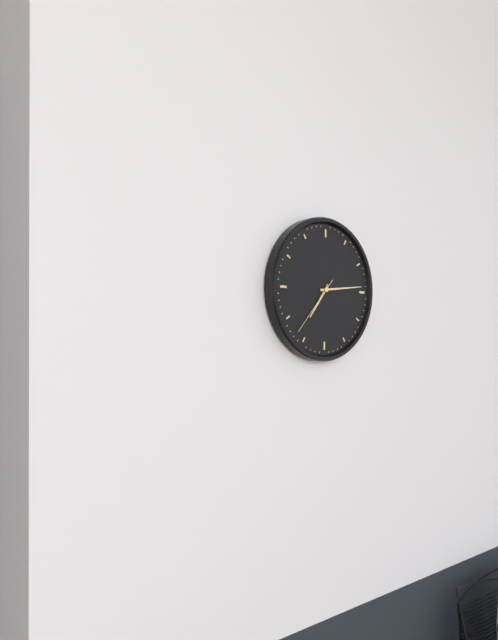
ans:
**7:14:37**
